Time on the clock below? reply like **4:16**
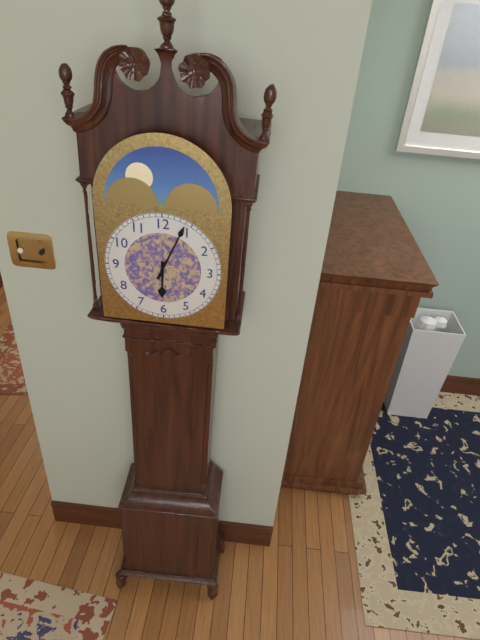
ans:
**6:04**
